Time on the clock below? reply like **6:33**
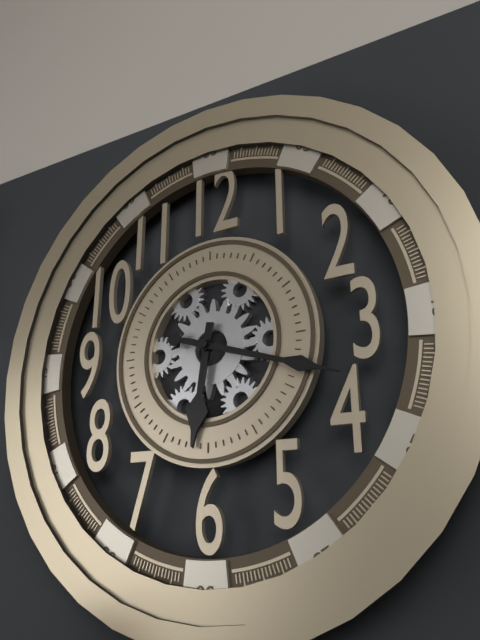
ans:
**6:18**
